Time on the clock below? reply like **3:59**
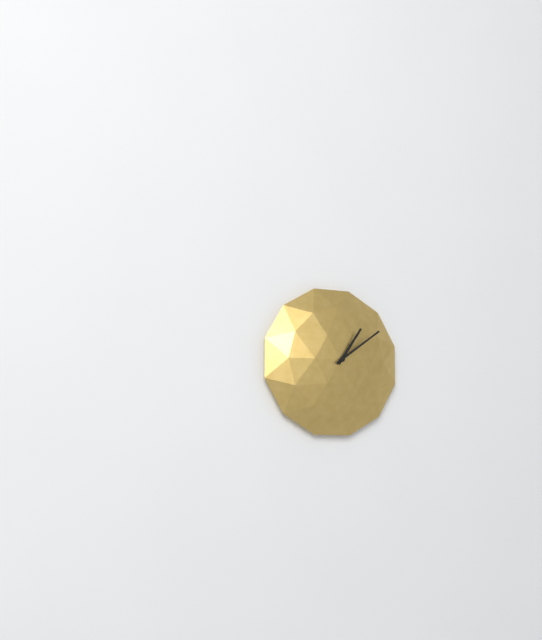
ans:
**1:09**
